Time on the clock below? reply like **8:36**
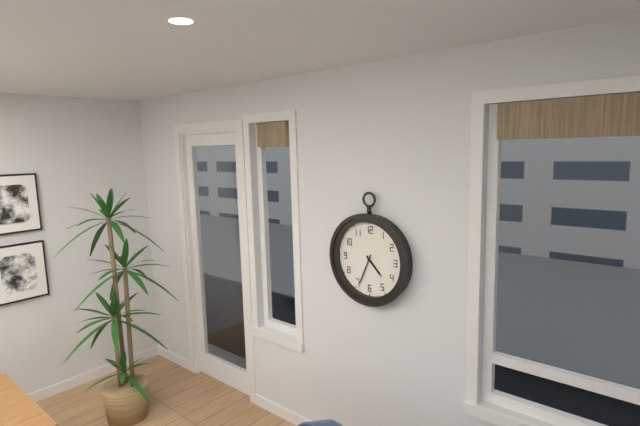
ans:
**4:34**
